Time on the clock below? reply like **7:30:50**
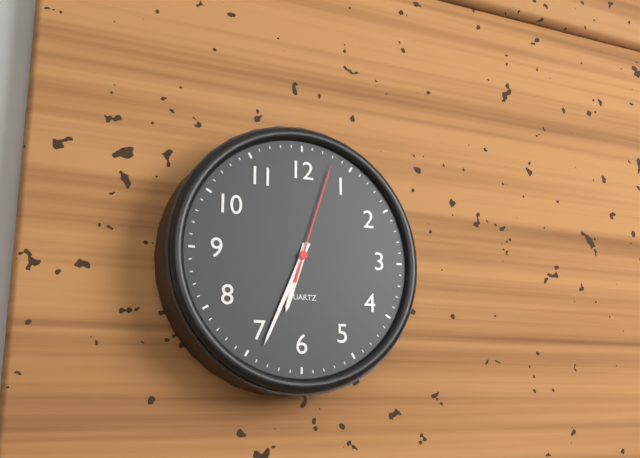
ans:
**6:34:03**
